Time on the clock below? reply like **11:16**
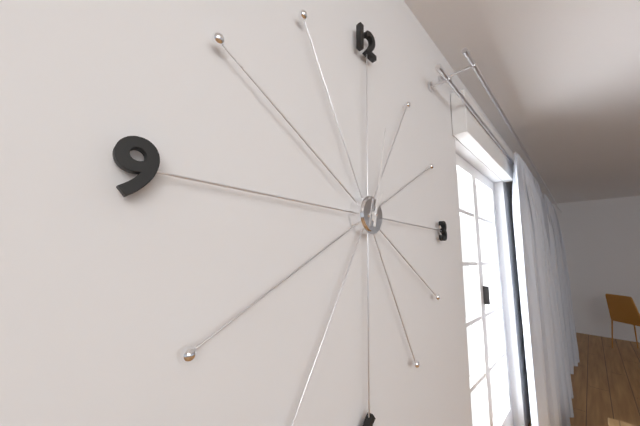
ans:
**1:02**
